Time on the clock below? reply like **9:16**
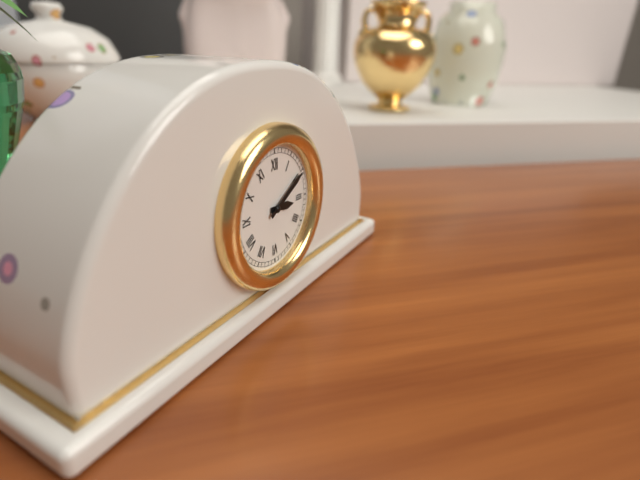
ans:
**3:10**
